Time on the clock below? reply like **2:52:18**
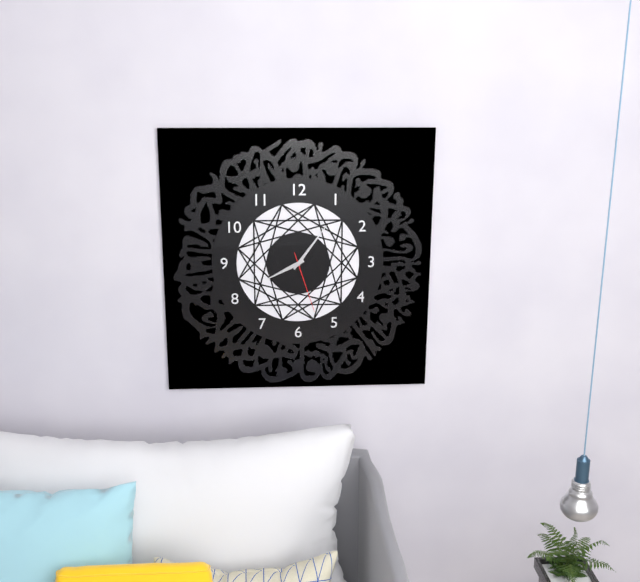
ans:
**8:06:27**
